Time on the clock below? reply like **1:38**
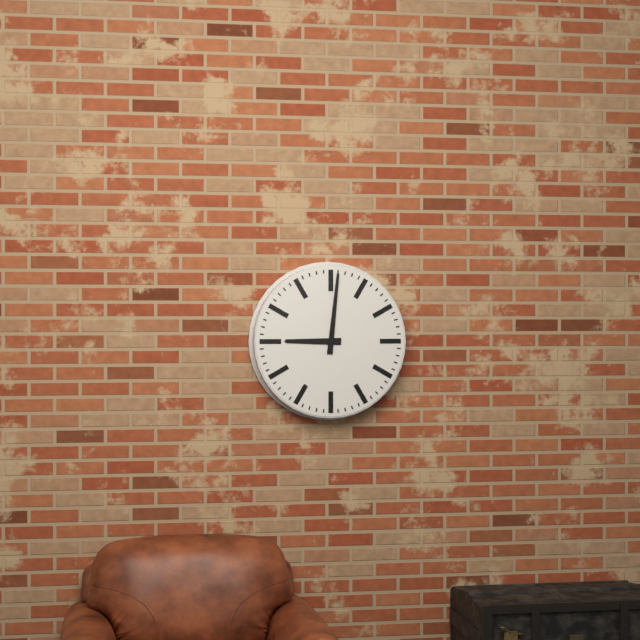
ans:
**9:01**
